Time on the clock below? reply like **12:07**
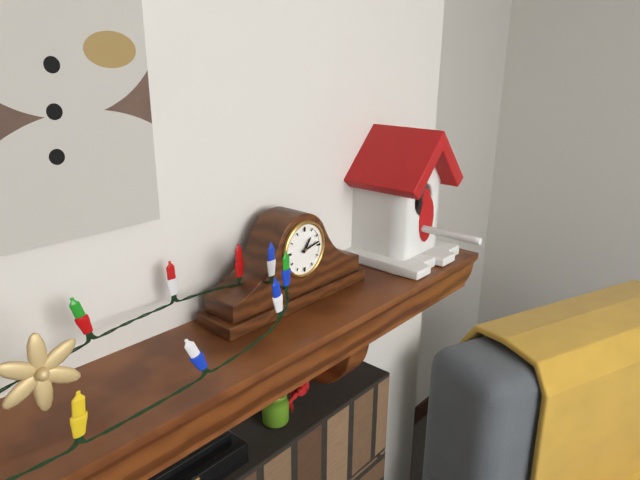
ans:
**1:13**
